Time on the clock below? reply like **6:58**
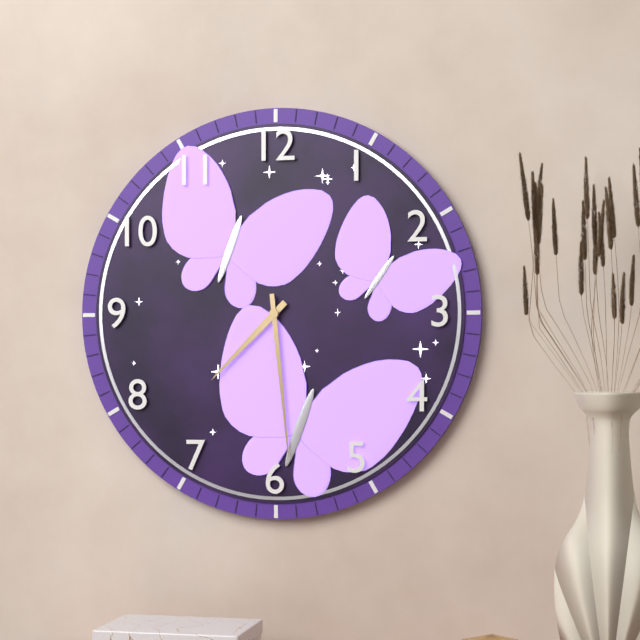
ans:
**7:29**
